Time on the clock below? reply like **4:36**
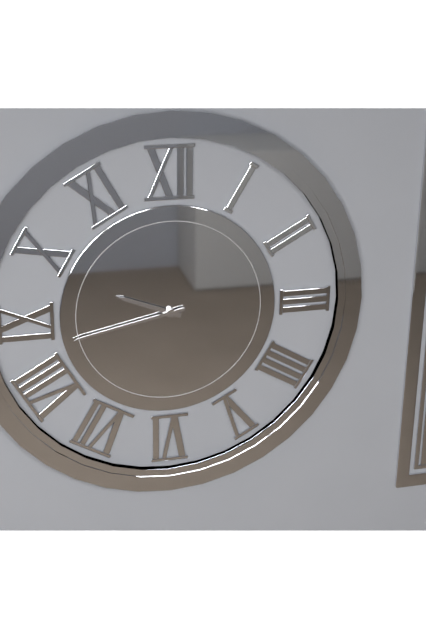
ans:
**9:43**
